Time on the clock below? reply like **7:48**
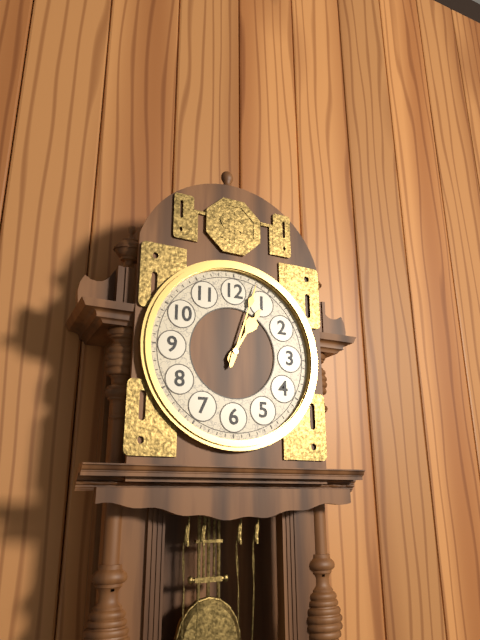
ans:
**1:03**
